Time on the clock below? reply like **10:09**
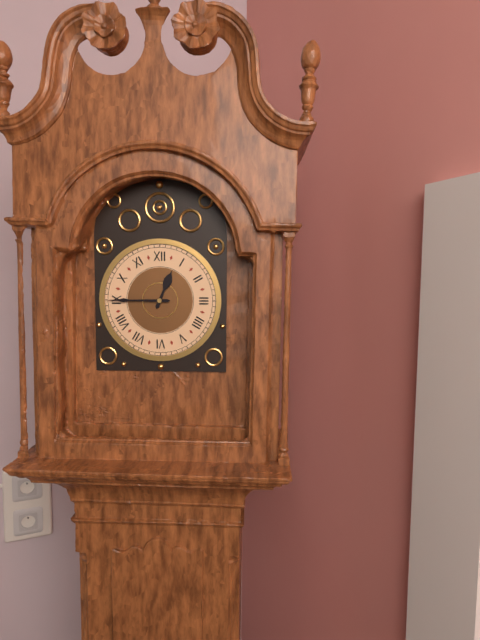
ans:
**12:45**
